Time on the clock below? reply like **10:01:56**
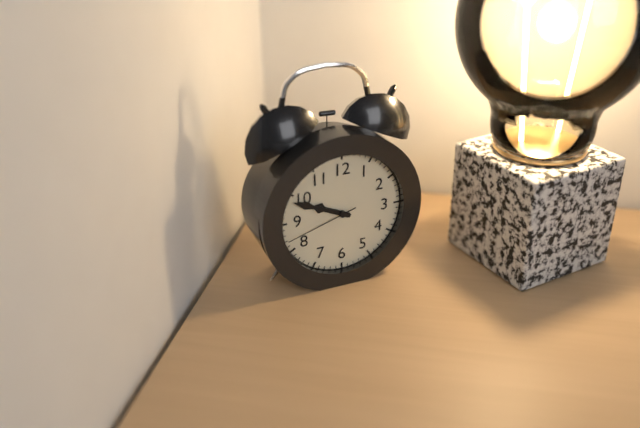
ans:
**9:49:42**
